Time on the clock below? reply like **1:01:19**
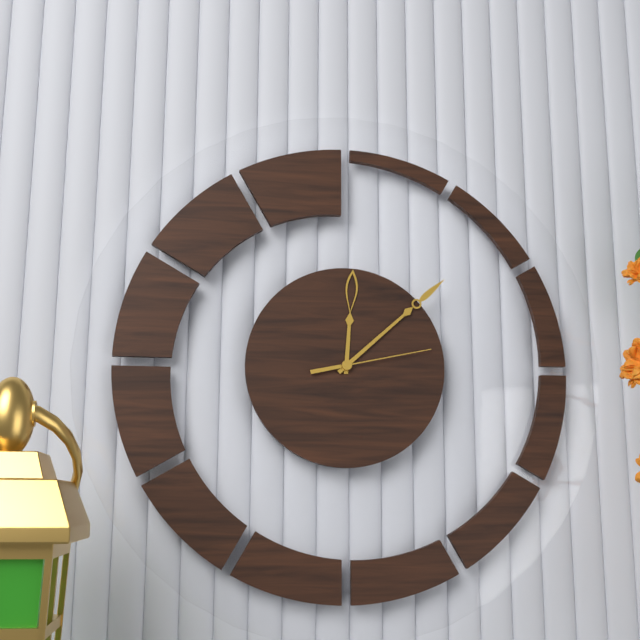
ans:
**12:08:13**
